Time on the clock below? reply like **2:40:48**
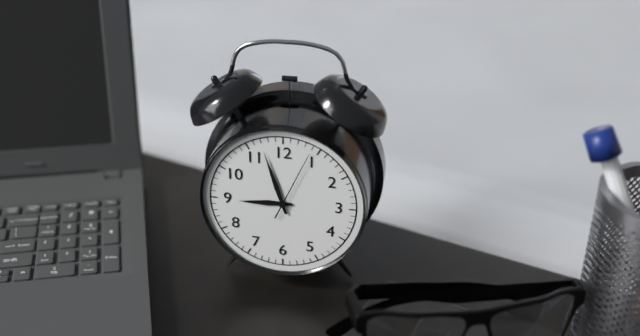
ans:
**8:57:04**
